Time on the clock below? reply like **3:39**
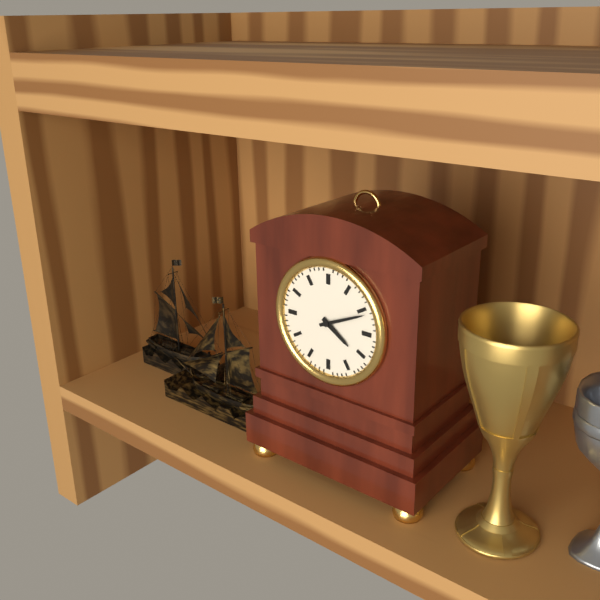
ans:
**4:11**
